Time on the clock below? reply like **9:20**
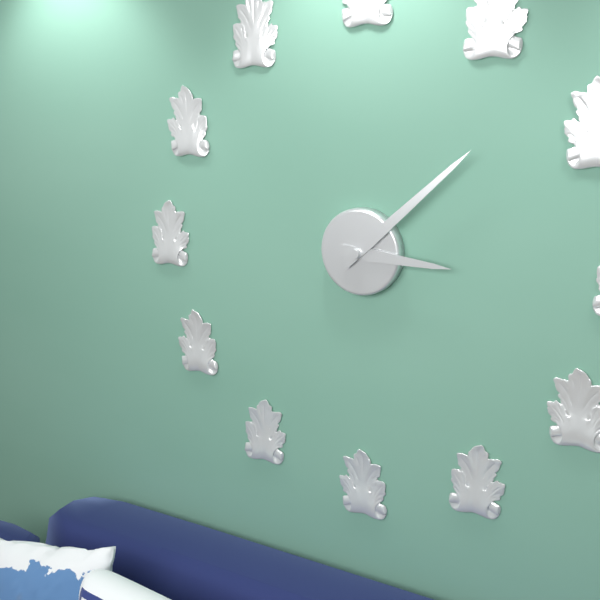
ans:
**3:08**
